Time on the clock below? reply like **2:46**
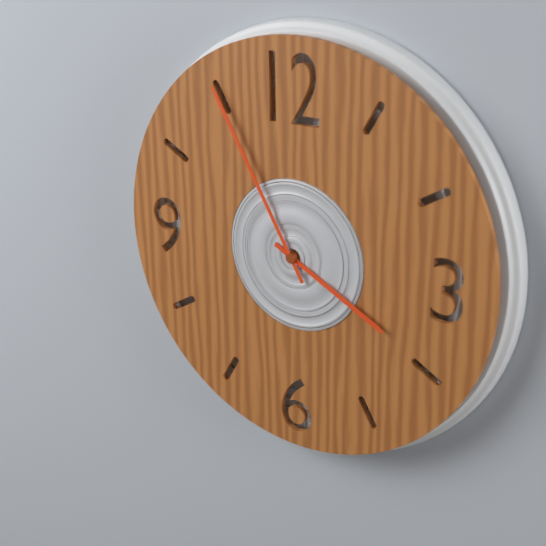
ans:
**3:55**
